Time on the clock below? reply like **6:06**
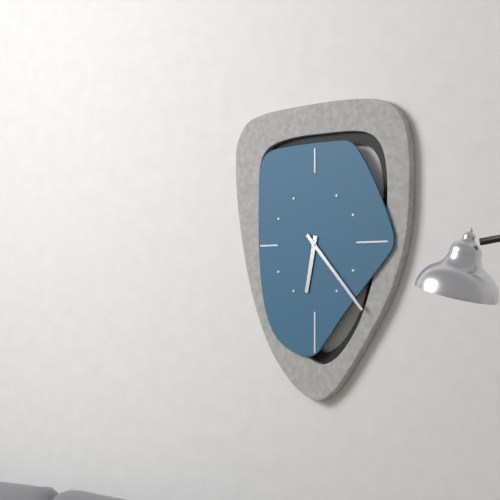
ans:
**6:23**
